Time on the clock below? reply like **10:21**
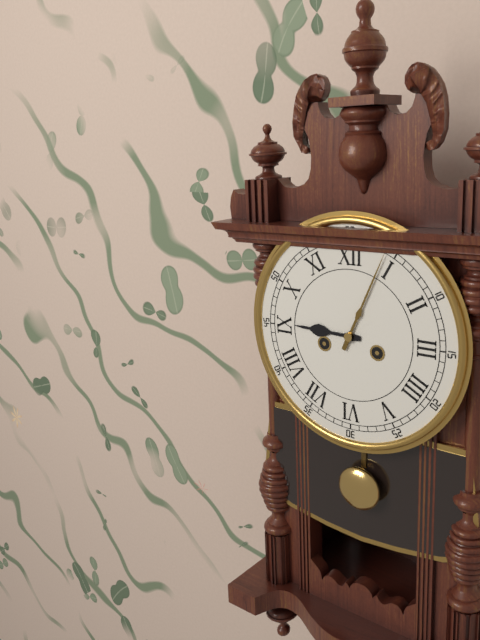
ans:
**9:04**
